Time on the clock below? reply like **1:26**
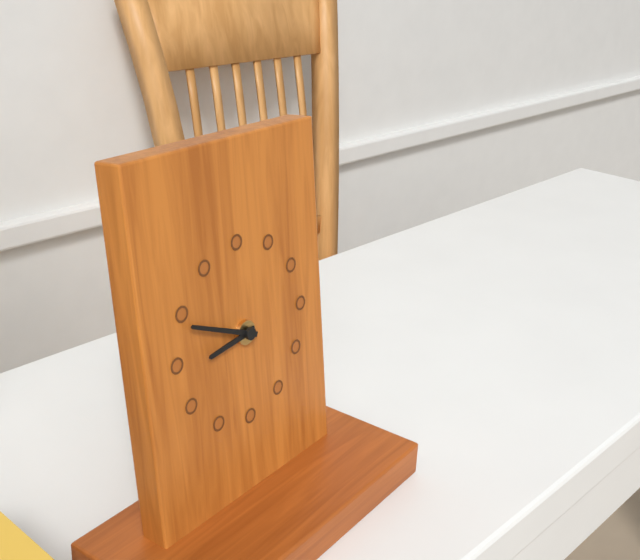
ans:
**8:49**
